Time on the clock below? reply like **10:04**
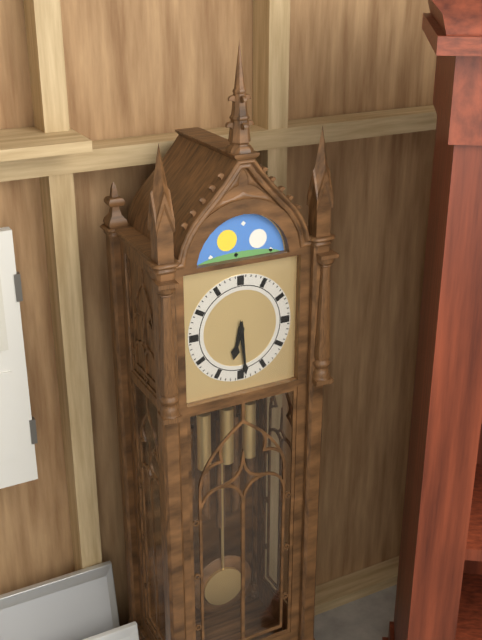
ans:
**6:29**
